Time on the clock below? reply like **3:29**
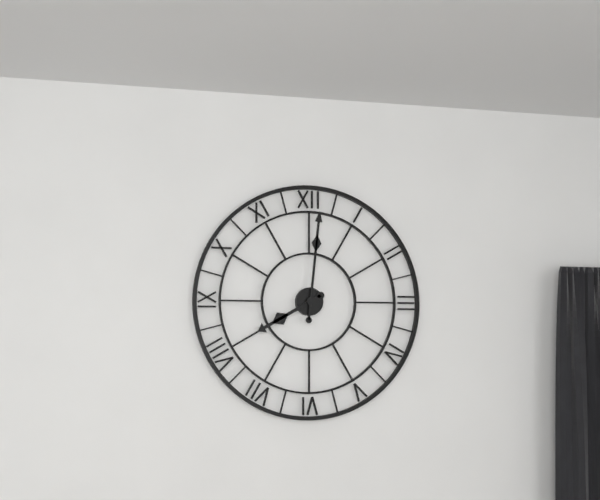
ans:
**8:01**
